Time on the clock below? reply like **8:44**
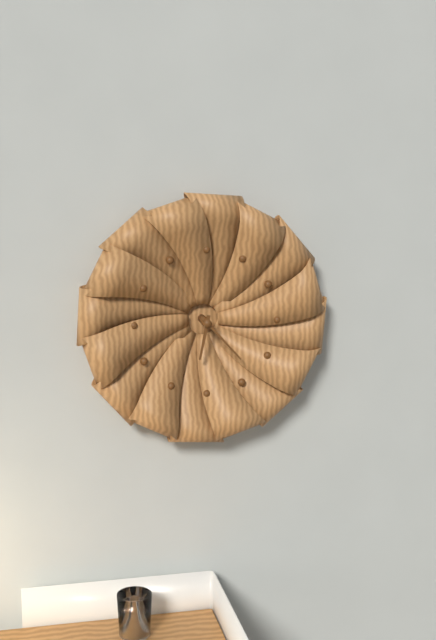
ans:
**6:23**
